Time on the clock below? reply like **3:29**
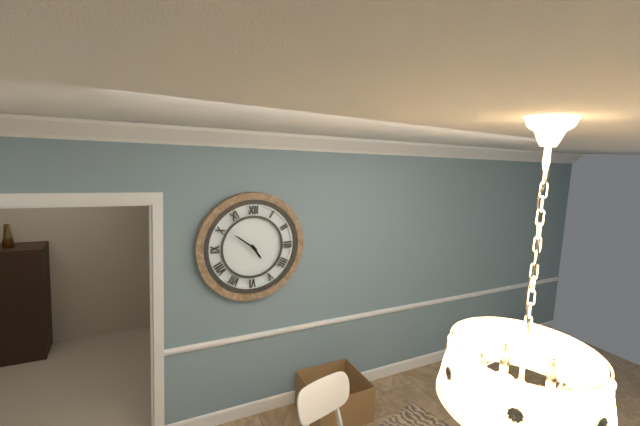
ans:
**4:51**
